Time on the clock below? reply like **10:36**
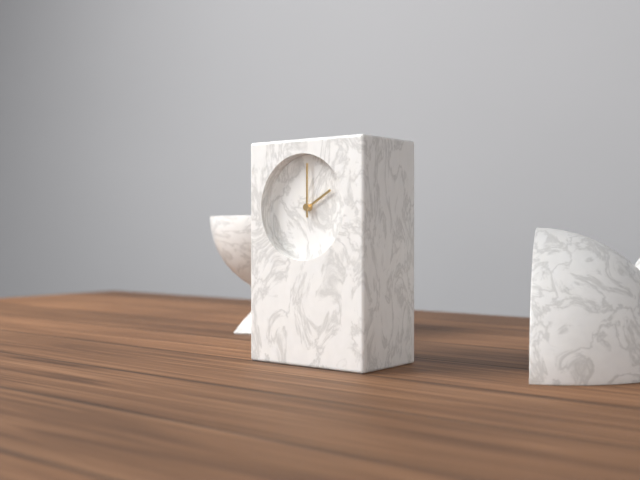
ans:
**2:00**
